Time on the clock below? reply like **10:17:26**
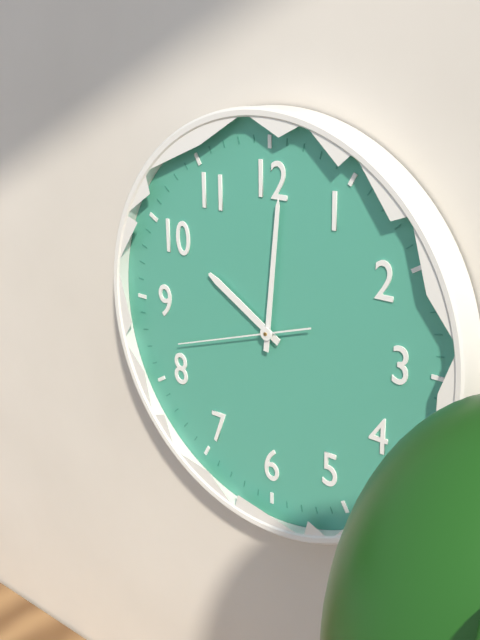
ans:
**10:01:42**
